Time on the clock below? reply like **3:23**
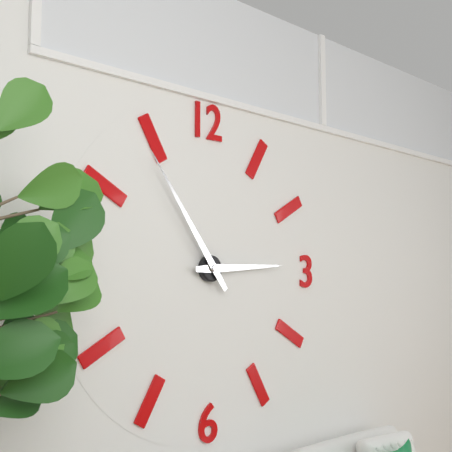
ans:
**2:54**
